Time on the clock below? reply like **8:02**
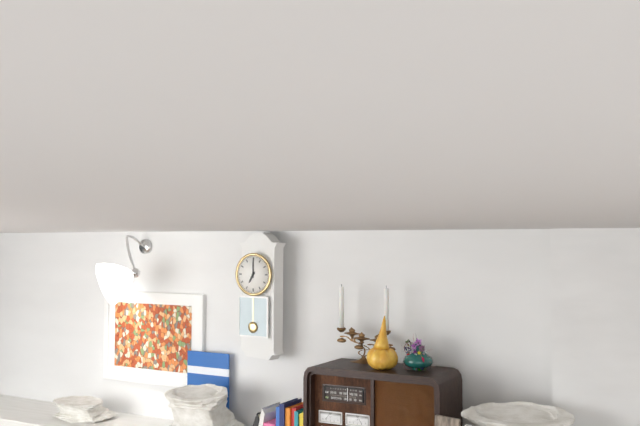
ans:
**7:00**
